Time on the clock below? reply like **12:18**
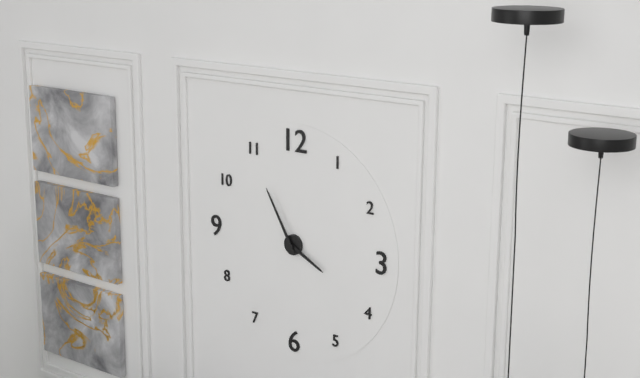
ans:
**3:55**
